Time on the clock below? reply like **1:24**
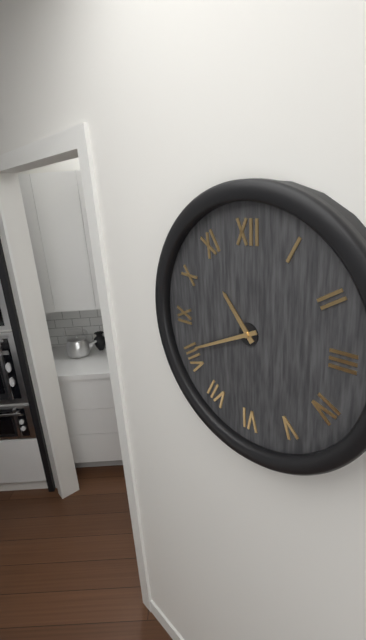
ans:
**10:41**
